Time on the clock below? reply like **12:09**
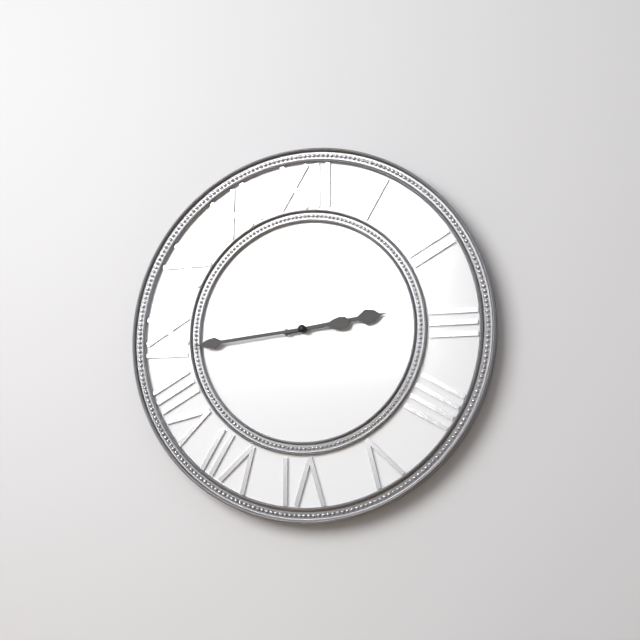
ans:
**2:44**
